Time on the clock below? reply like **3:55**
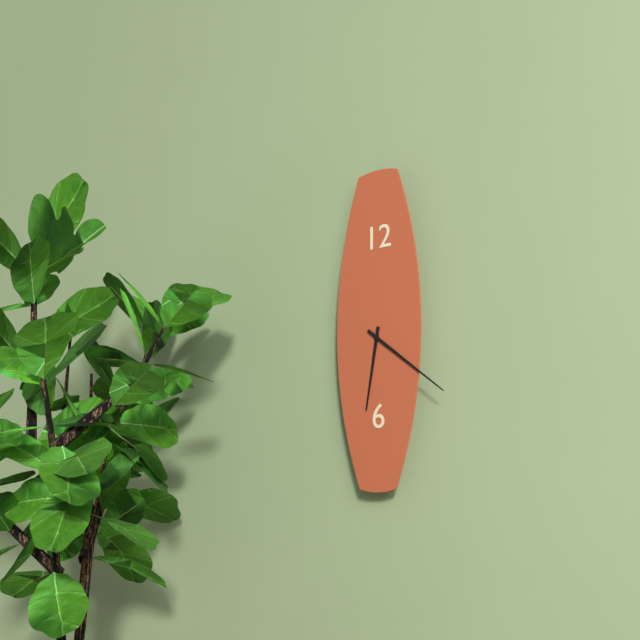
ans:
**6:21**
